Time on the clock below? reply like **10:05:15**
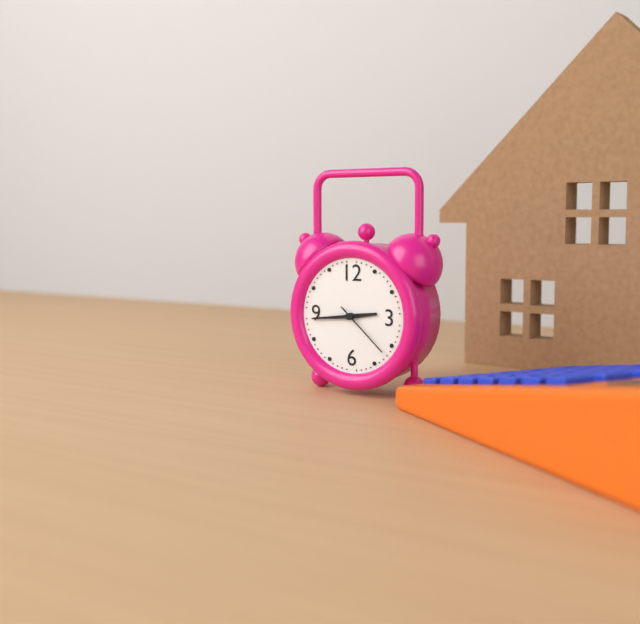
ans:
**2:44:22**
